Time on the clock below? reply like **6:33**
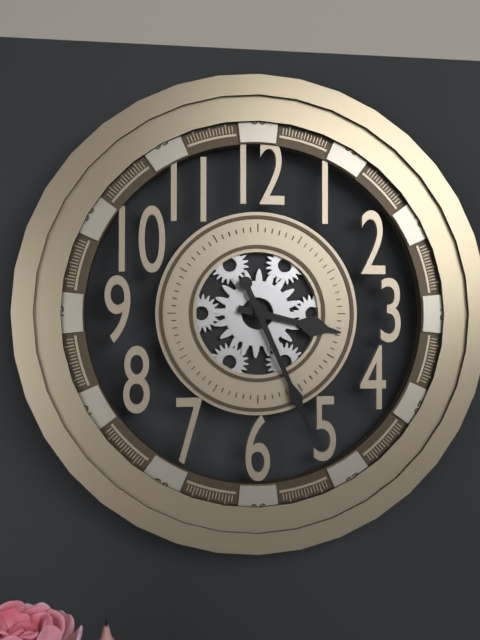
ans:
**3:26**
